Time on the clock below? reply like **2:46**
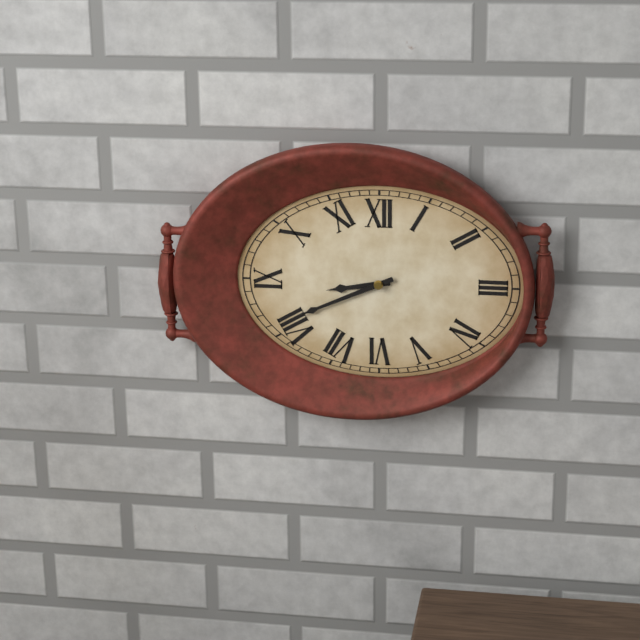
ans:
**8:41**
